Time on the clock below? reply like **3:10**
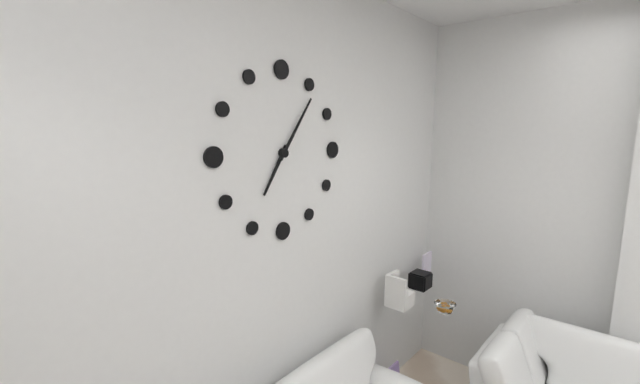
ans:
**7:06**
